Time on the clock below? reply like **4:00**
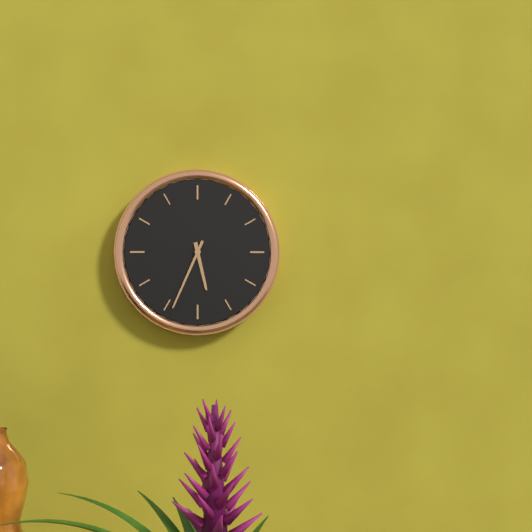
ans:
**5:34**
